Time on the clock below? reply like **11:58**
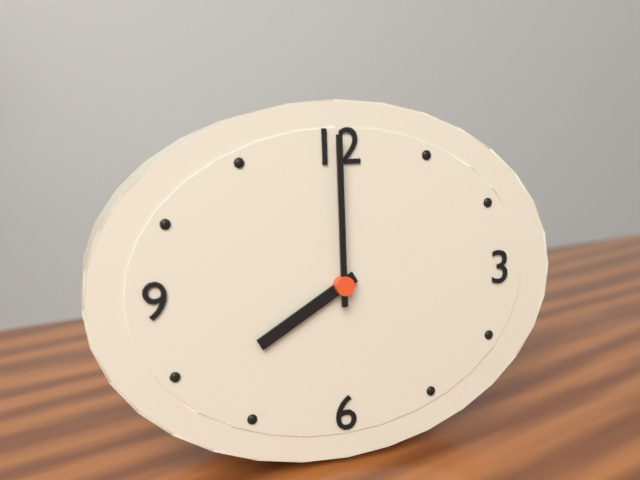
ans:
**8:00**
